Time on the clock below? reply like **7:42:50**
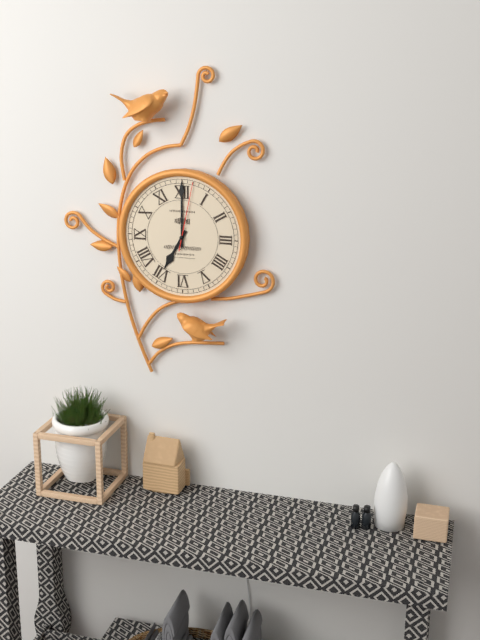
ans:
**7:00:02**
